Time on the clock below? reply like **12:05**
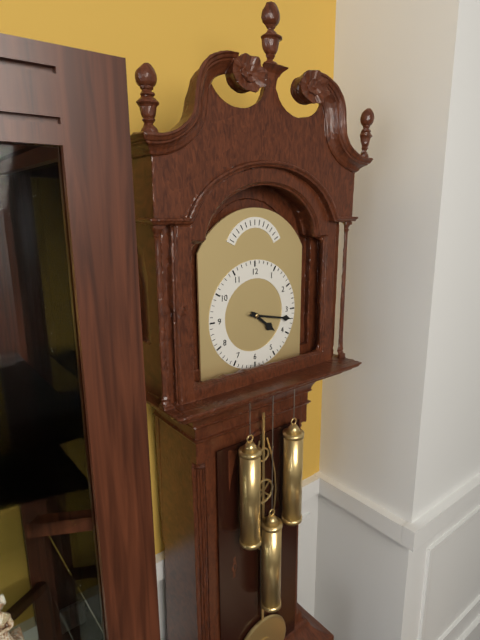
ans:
**4:17**
